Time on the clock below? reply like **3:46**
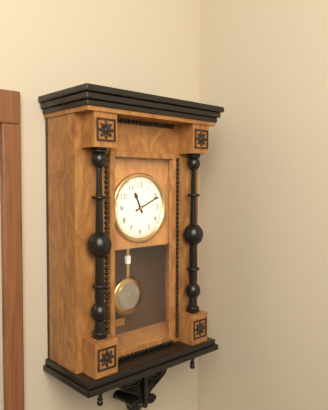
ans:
**11:11**
